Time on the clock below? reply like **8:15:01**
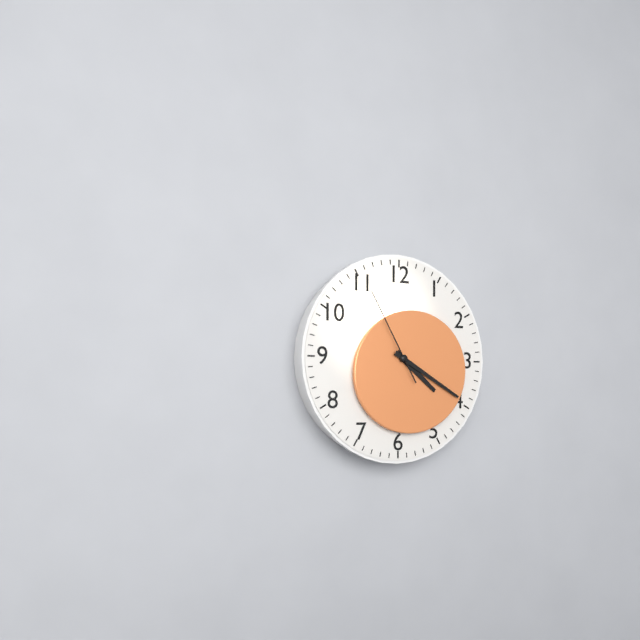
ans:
**4:20:55**
